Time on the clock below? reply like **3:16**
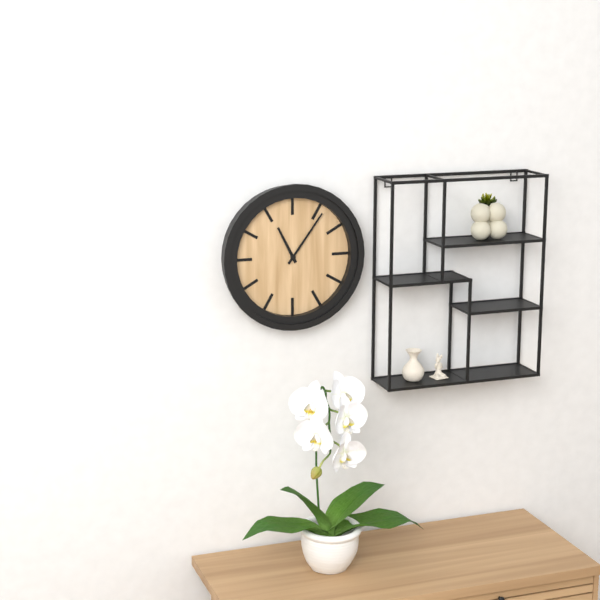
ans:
**11:06**
